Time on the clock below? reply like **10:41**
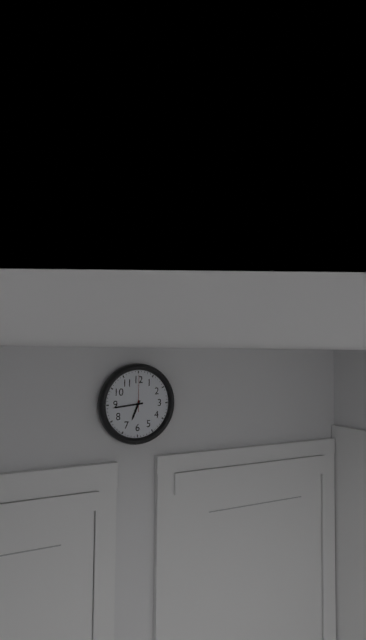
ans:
**6:44**
